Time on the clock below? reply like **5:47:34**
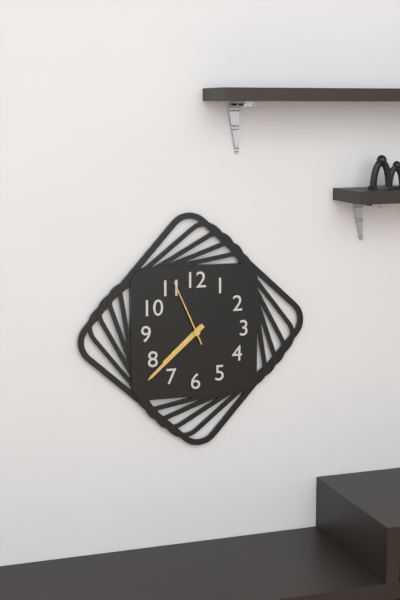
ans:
**7:38:56**
